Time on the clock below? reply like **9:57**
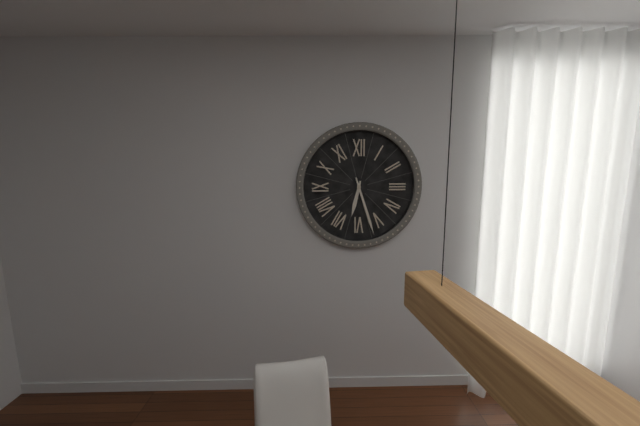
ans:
**6:27**
